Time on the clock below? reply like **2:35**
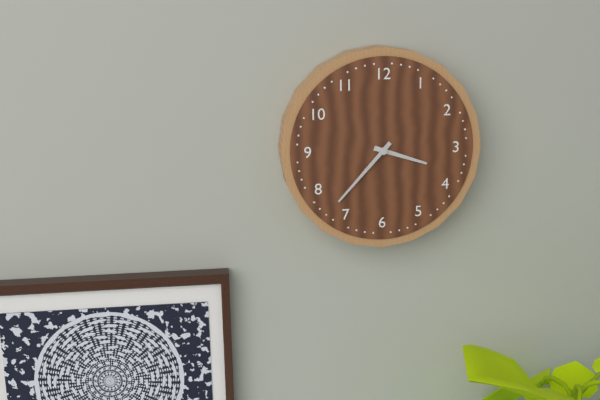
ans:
**3:37**
